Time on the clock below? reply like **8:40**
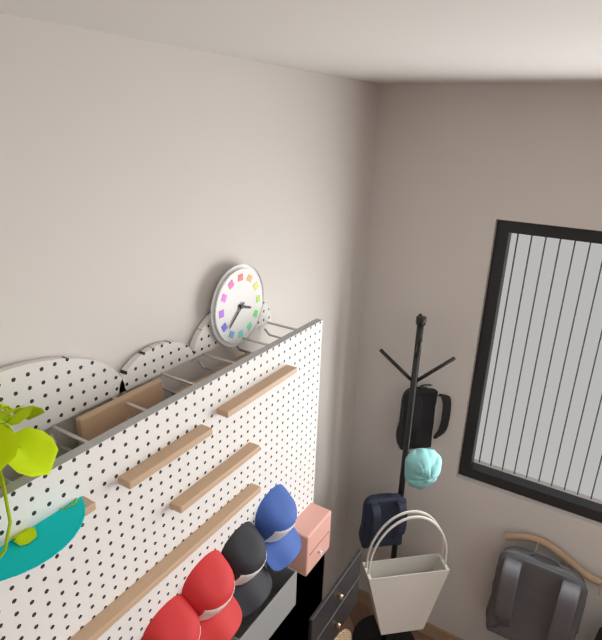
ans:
**3:38**
